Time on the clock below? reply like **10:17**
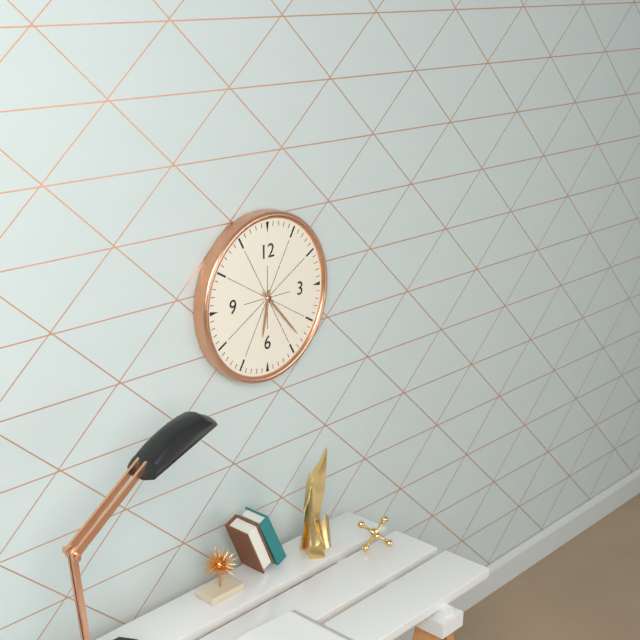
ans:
**6:23**
